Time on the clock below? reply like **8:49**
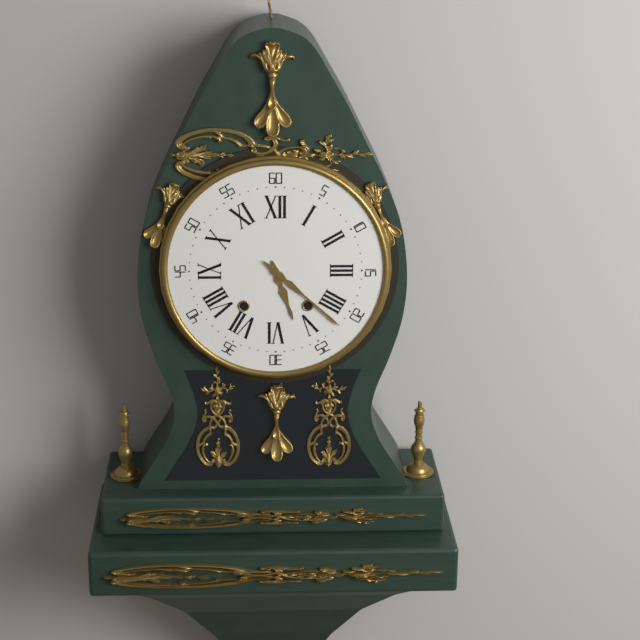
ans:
**5:22**
